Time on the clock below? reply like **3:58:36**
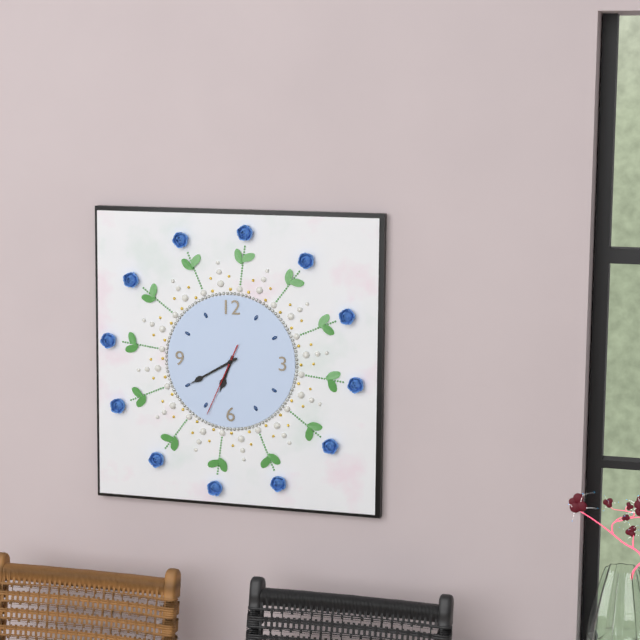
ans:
**6:40:34**
